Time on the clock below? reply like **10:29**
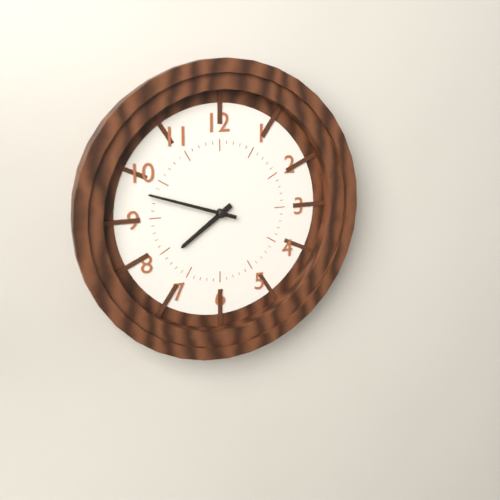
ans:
**7:48**
